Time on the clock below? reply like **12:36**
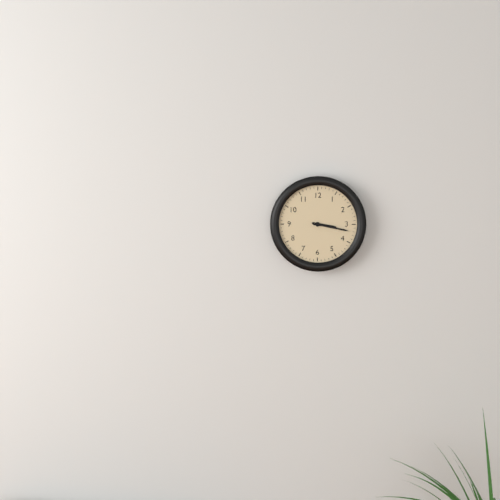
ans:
**3:17**
